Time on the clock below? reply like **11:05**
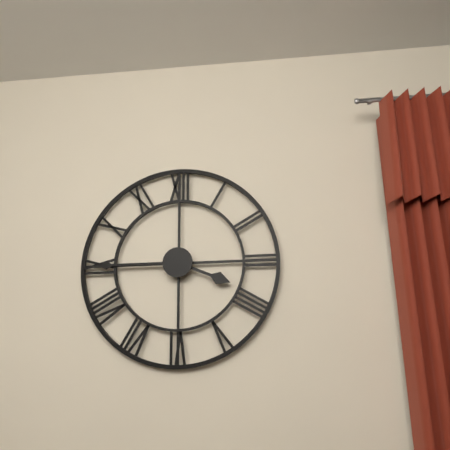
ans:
**3:45**
